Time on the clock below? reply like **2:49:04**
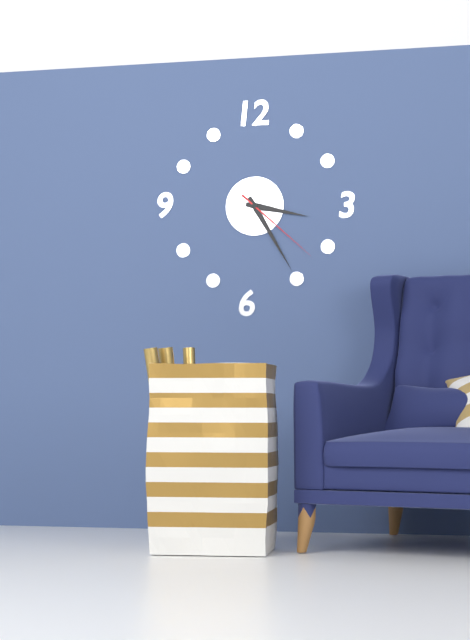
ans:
**3:25:22**
